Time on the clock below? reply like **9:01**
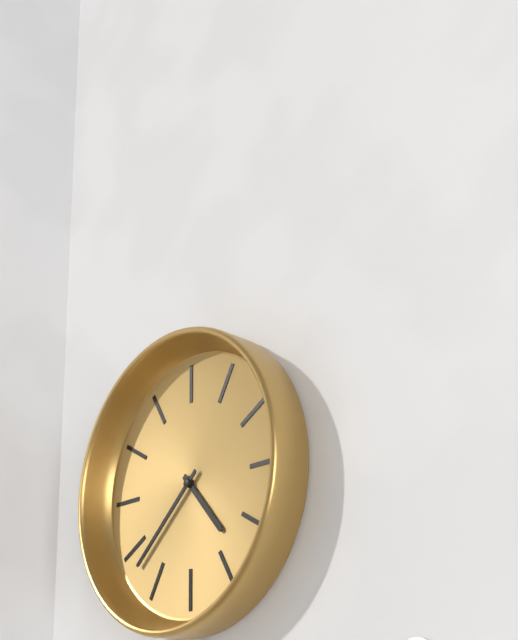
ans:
**4:38**
